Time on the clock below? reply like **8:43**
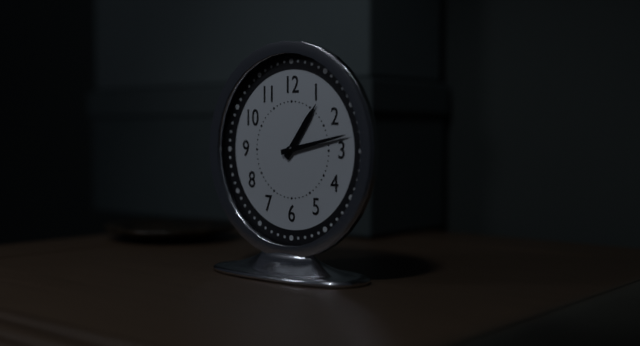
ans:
**1:13**
